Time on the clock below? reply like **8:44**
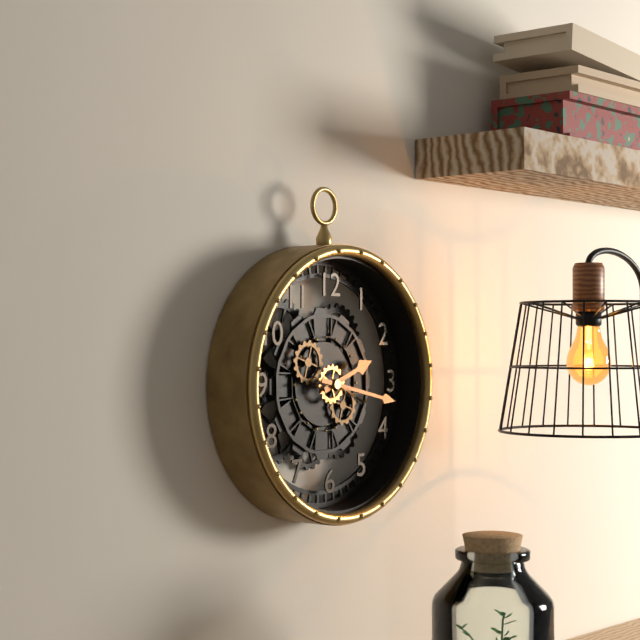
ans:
**2:17**
